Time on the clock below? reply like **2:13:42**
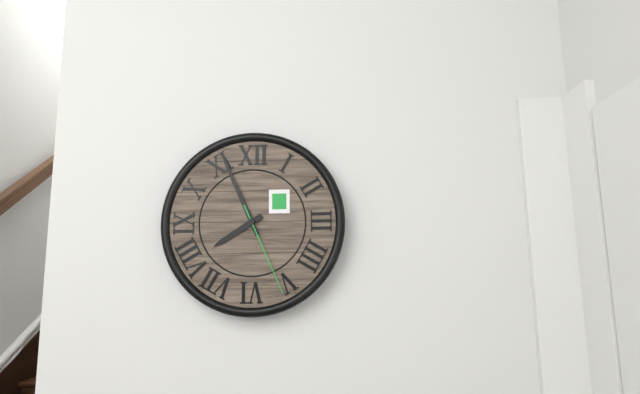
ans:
**7:56:26**
